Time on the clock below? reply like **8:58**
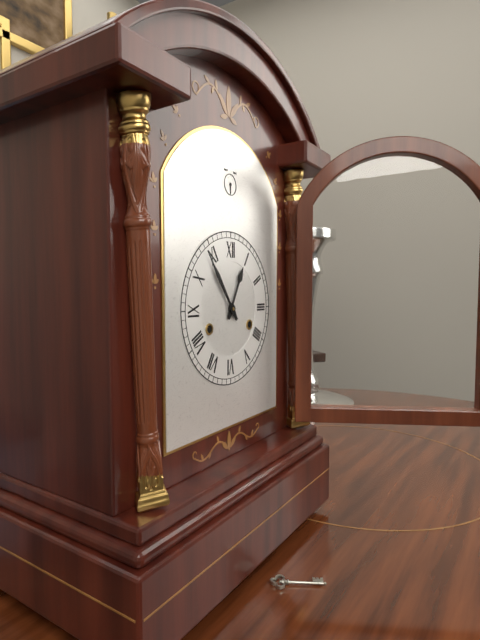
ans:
**12:54**
